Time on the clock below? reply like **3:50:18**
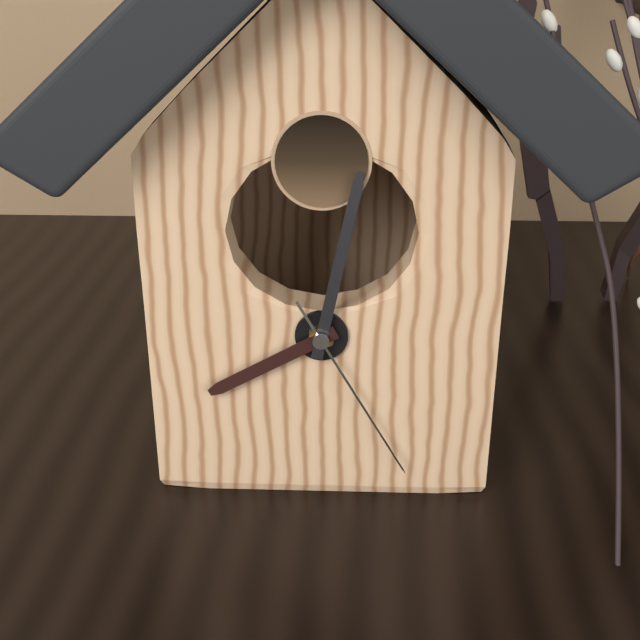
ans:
**8:02:25**
